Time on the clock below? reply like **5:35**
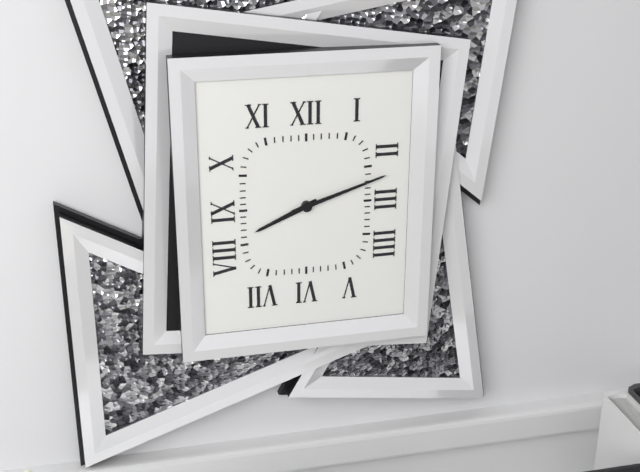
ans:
**8:12**
